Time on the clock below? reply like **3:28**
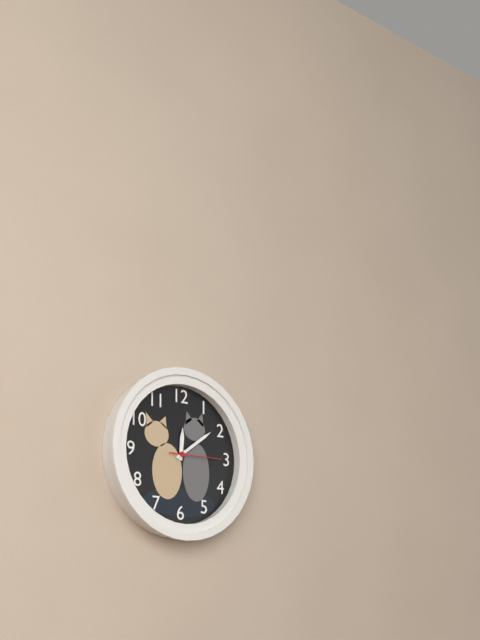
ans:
**12:09**
